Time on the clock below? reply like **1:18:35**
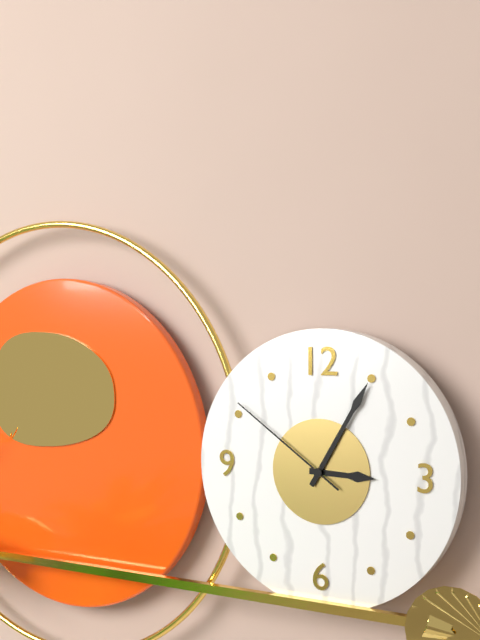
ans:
**3:05:51**
